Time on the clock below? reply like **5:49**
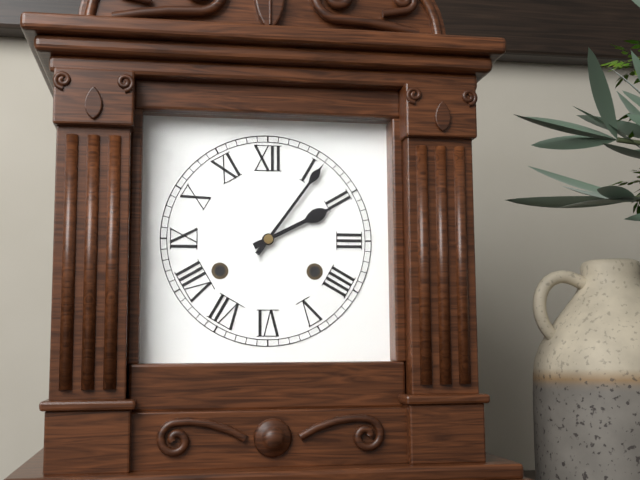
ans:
**2:06**
